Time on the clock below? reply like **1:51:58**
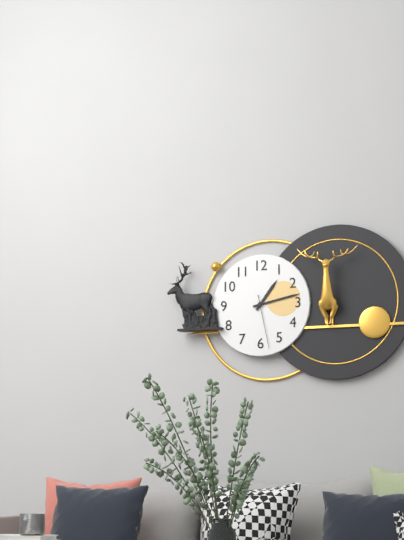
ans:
**1:13:28**
